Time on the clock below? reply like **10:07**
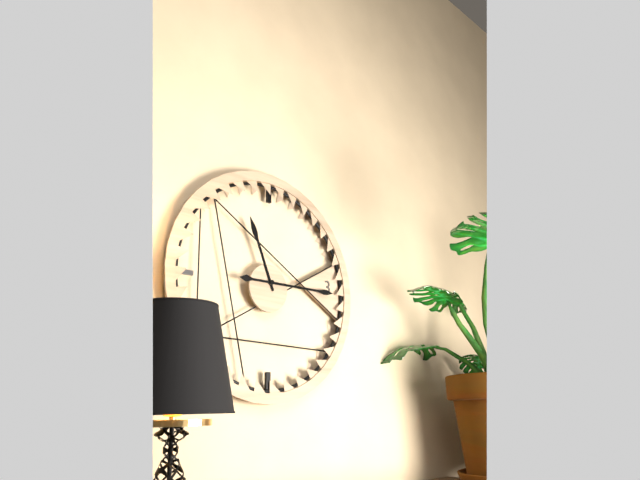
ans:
**11:15**
